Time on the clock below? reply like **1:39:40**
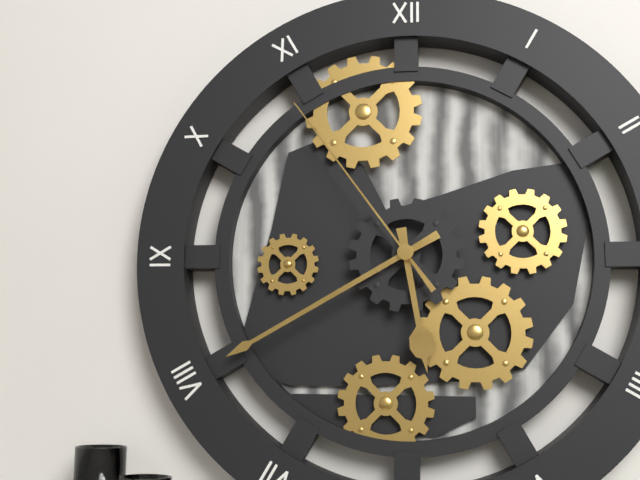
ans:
**5:40:54**
